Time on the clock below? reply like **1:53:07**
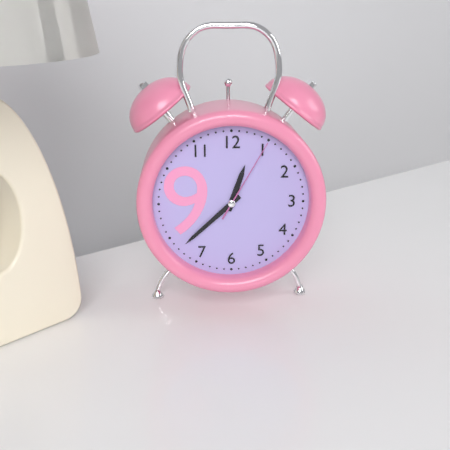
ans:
**12:38:05**
